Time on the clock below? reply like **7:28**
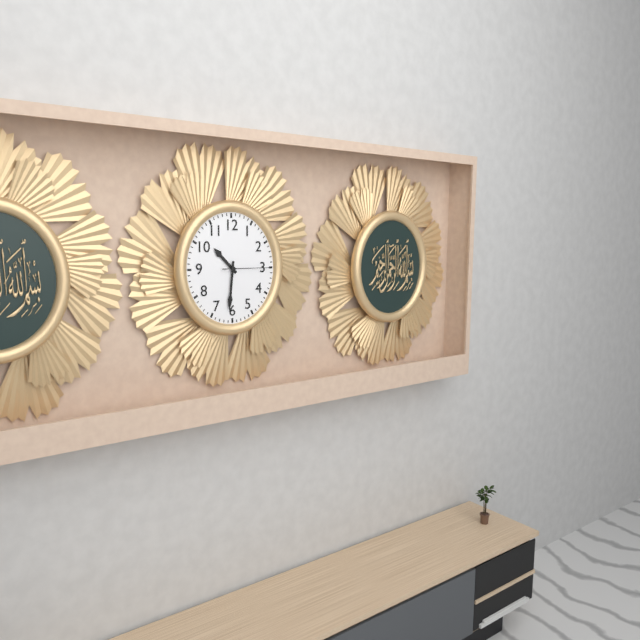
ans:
**10:31**
